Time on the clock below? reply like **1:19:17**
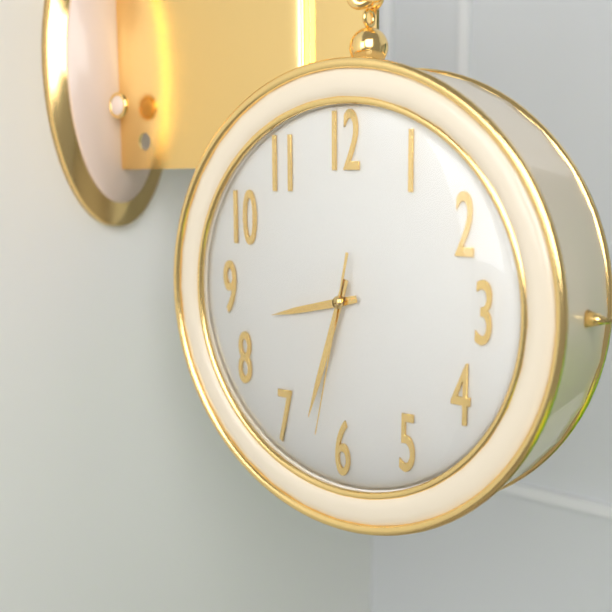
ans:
**8:33:32**
